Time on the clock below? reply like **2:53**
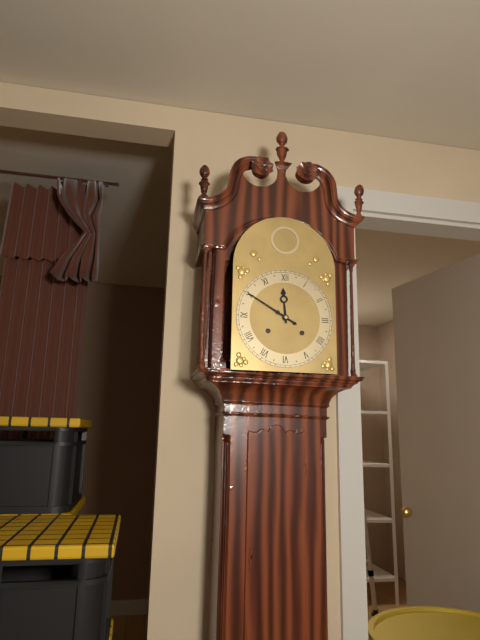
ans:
**11:50**
